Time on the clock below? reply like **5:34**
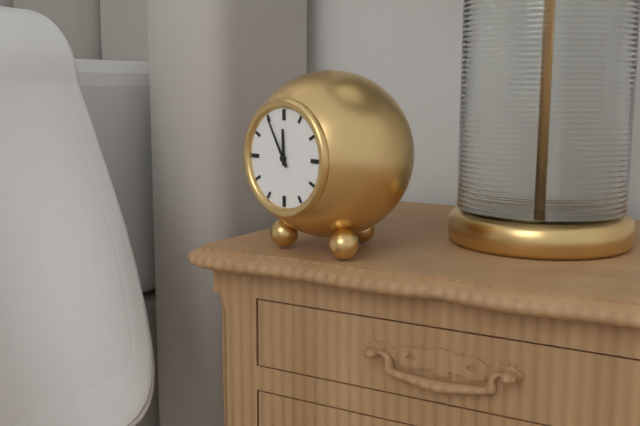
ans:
**11:55**
